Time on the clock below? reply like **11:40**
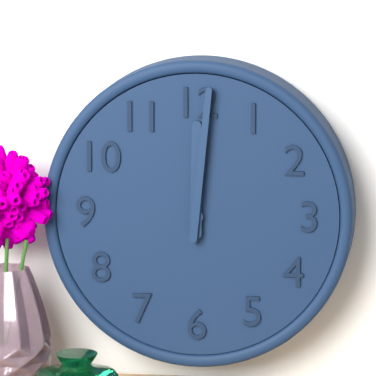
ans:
**12:01**
